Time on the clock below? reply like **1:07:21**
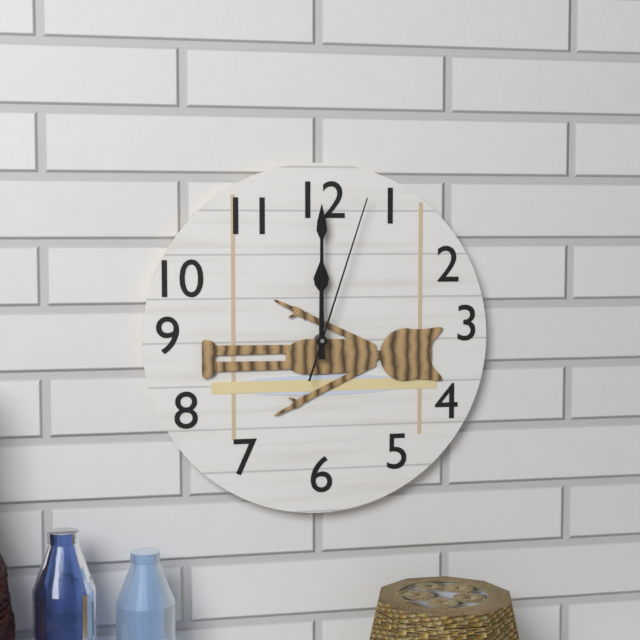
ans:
**12:00:03**
